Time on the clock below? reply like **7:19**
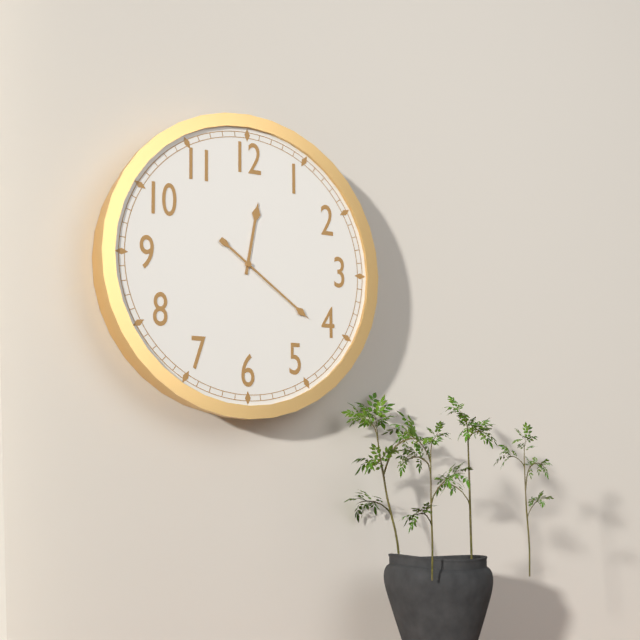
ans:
**12:21**
